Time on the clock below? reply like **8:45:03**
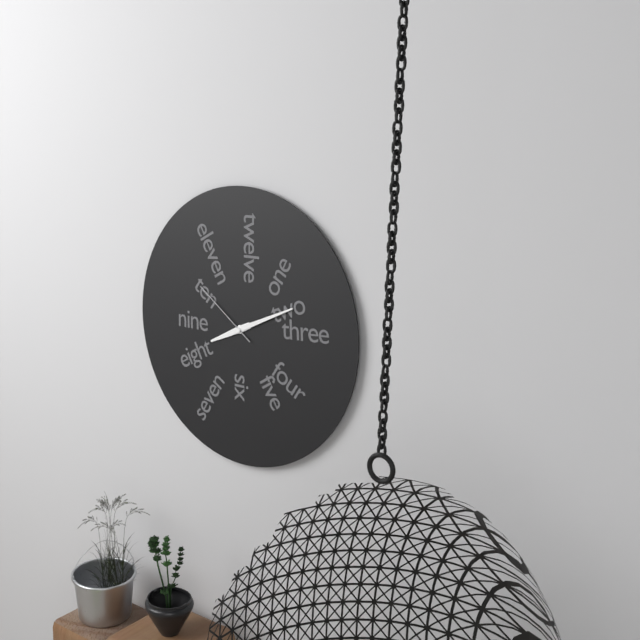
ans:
**8:11:51**
